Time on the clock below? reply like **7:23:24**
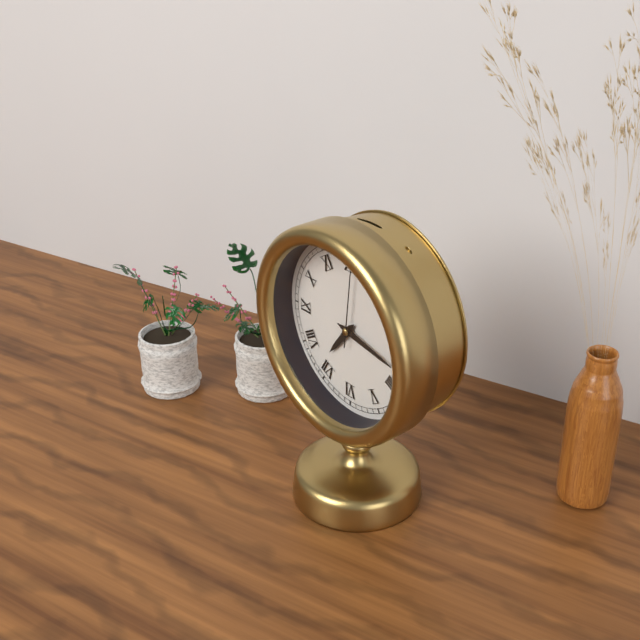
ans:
**7:17:01**
